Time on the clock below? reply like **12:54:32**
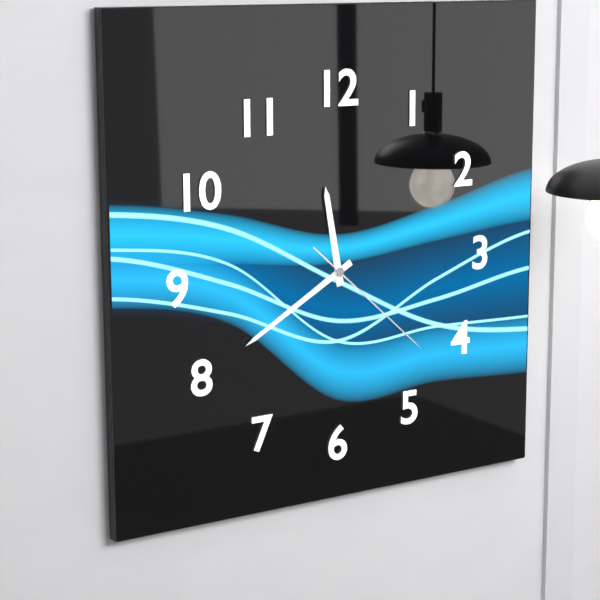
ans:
**11:40:22**
